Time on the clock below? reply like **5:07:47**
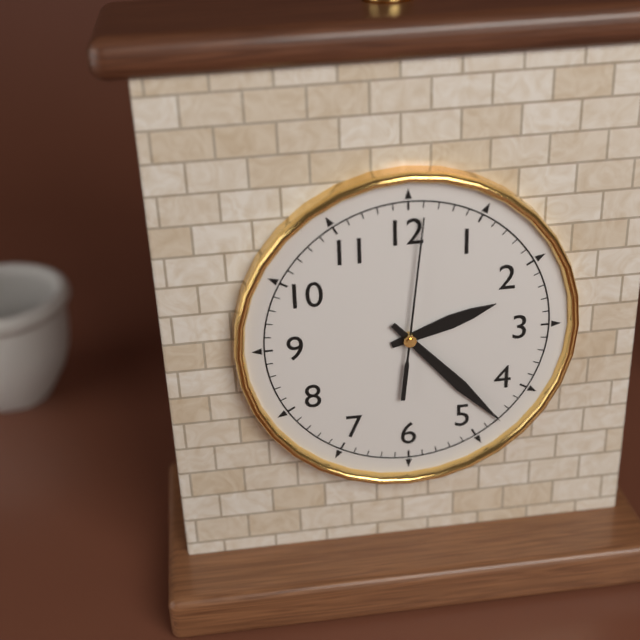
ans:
**2:23:01**
